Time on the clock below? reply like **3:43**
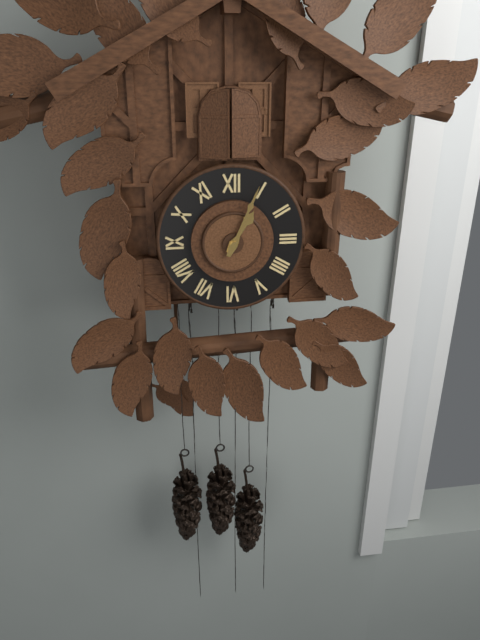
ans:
**1:04**
